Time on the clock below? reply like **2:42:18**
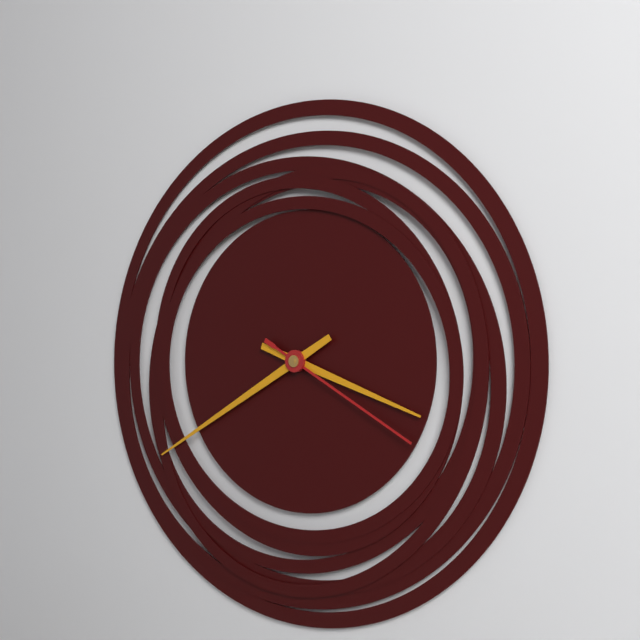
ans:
**3:40:20**
